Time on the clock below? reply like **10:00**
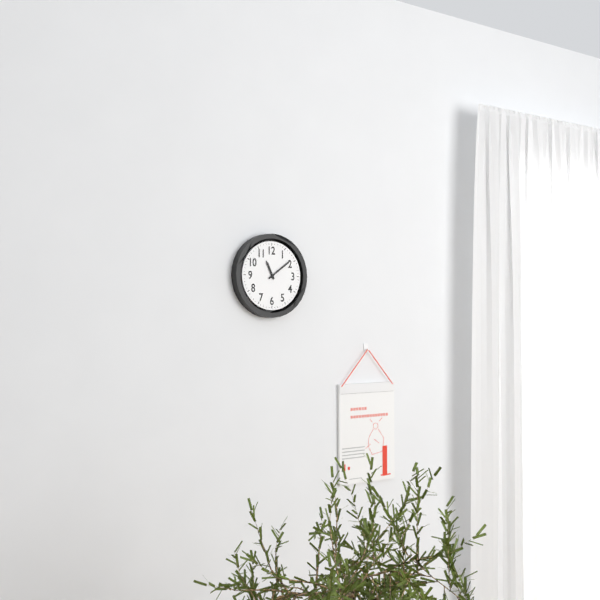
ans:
**11:09**
